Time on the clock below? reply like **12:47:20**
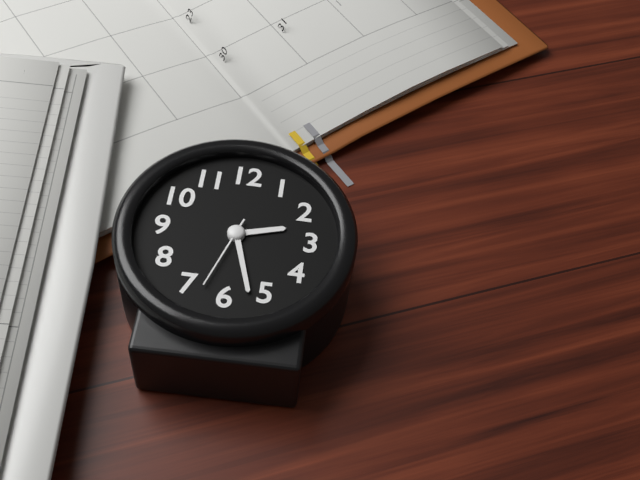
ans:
**2:27:33**
